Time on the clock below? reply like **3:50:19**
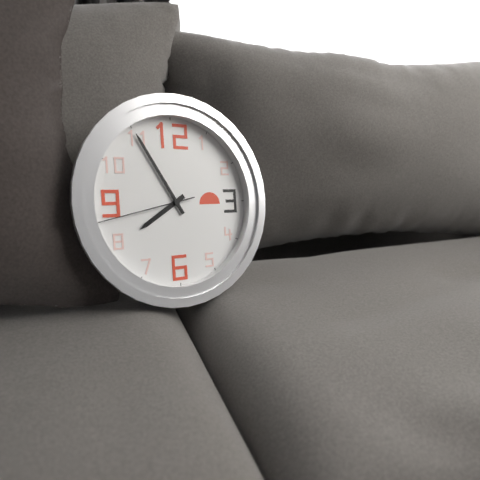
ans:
**7:55:43**
